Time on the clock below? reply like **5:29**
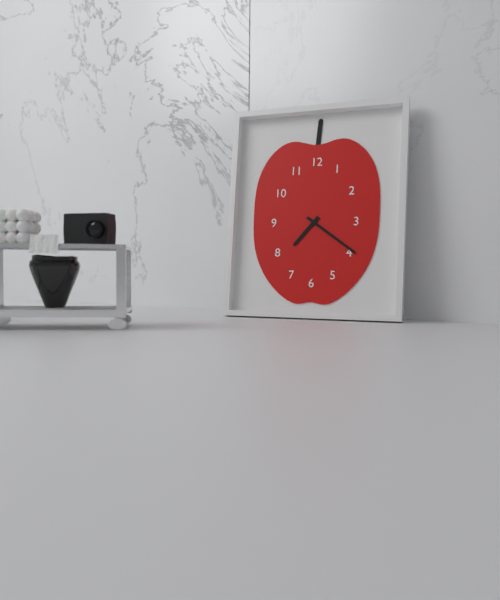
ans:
**7:21**
